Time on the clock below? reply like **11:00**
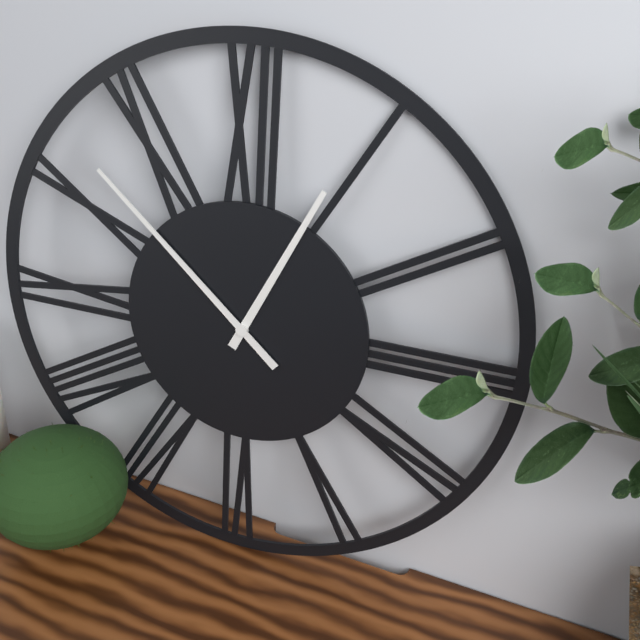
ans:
**12:52**
